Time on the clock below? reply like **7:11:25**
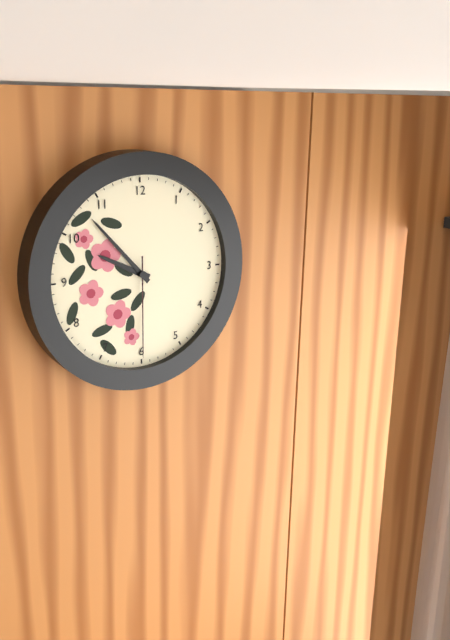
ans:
**9:53:30**
